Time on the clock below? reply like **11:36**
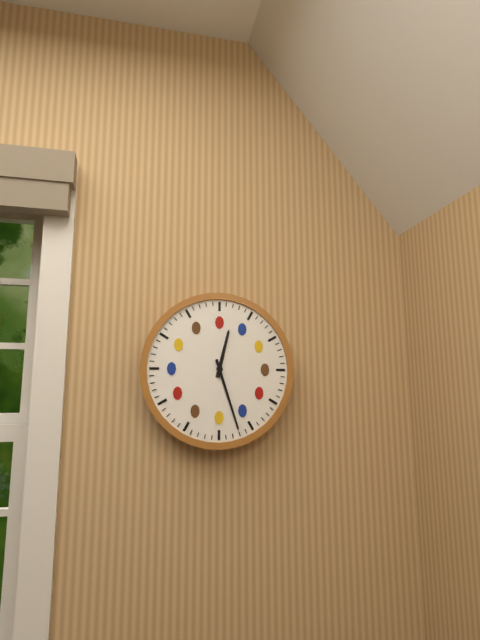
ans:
**12:27**
